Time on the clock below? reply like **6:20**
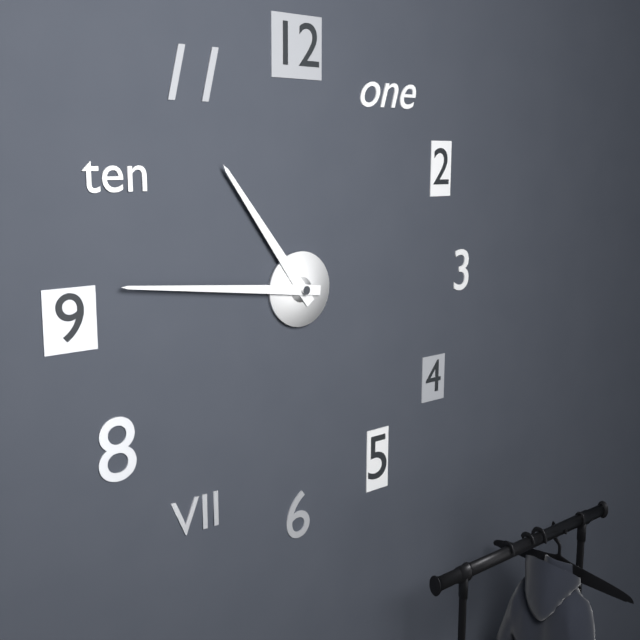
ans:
**10:46**
